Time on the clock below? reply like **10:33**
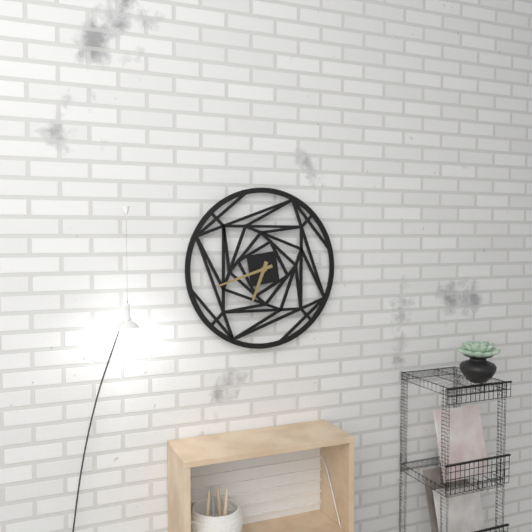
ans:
**6:42**
